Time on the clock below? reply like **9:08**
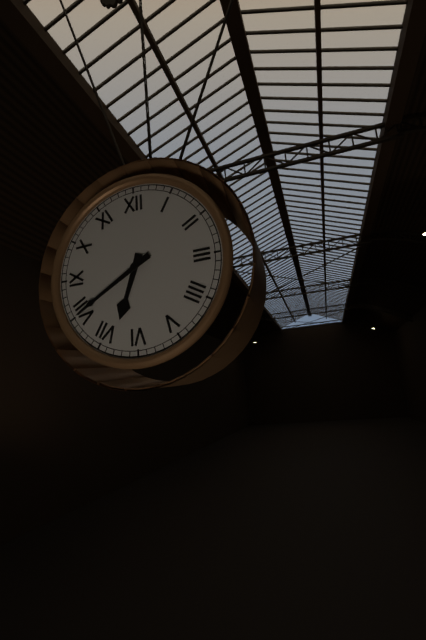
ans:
**6:40**
